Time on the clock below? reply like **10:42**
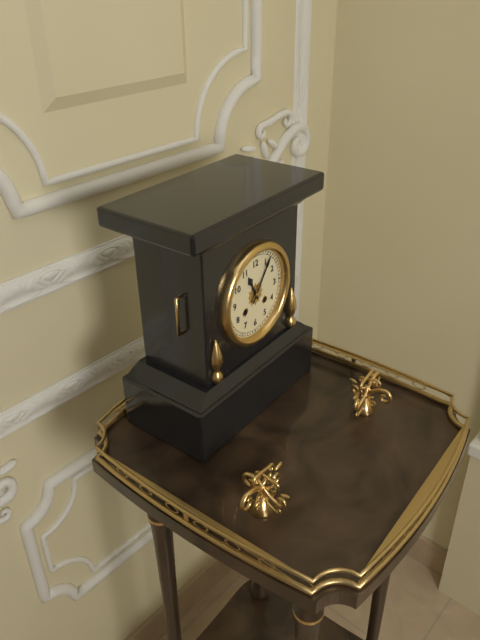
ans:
**11:06**
